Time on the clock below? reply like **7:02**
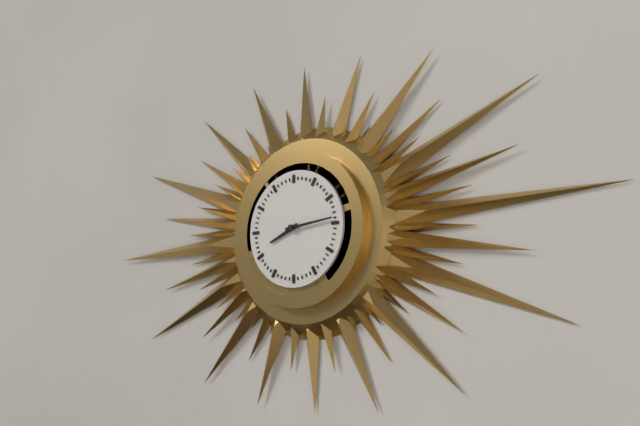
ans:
**8:14**
